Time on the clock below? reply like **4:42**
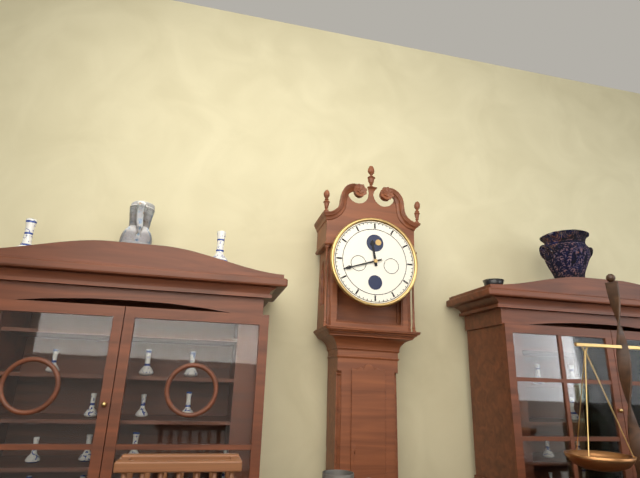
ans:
**11:42**
